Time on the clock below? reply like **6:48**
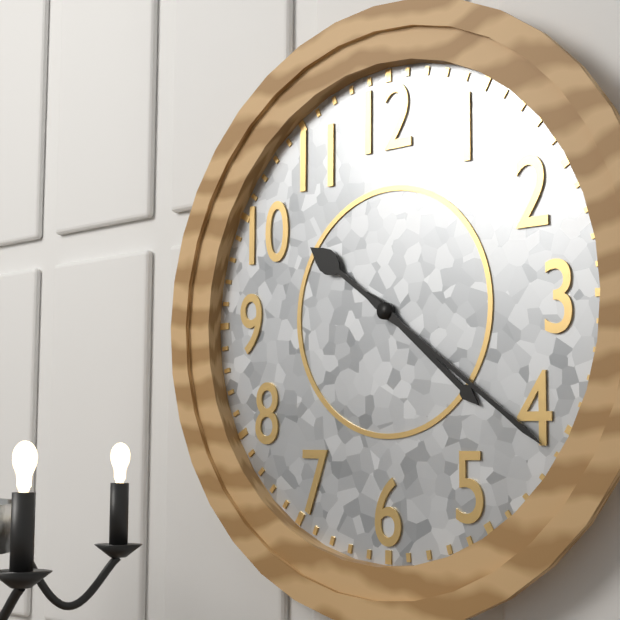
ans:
**4:21**
